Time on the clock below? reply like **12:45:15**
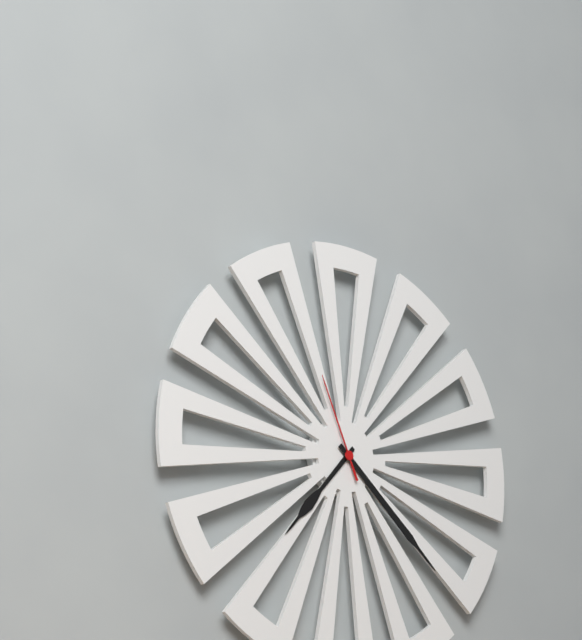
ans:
**7:22:56**
